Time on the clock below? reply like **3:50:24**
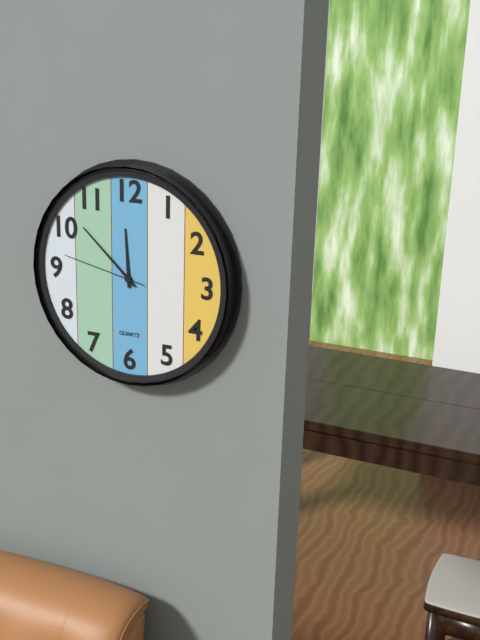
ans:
**11:52:47**
